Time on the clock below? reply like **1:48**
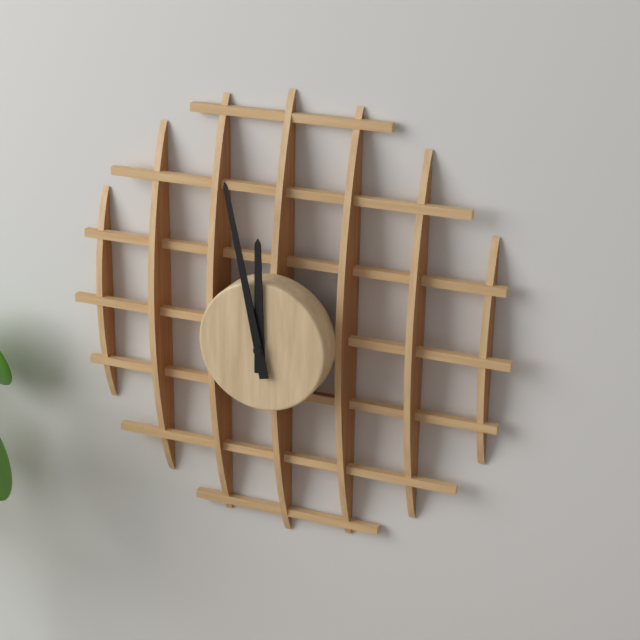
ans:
**11:58**
